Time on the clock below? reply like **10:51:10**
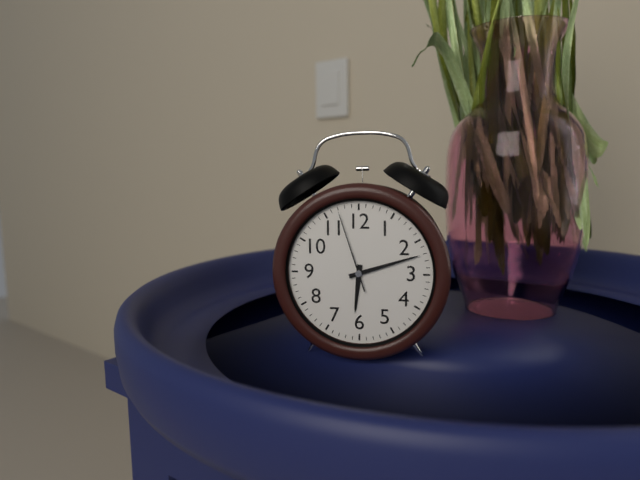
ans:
**6:12:57**
